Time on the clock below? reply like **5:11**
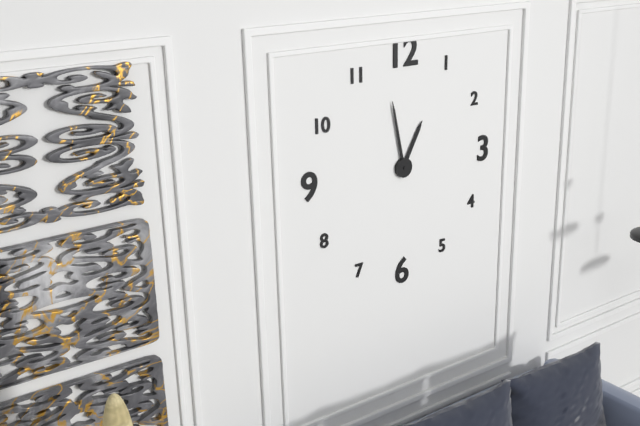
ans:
**12:58**
